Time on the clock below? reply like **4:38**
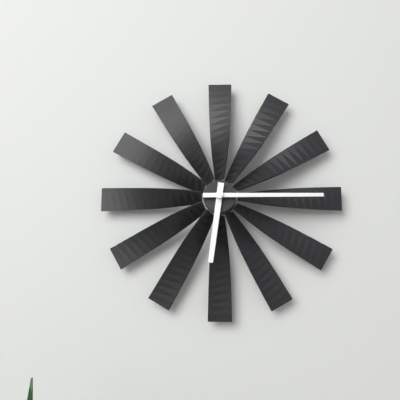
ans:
**6:15**
